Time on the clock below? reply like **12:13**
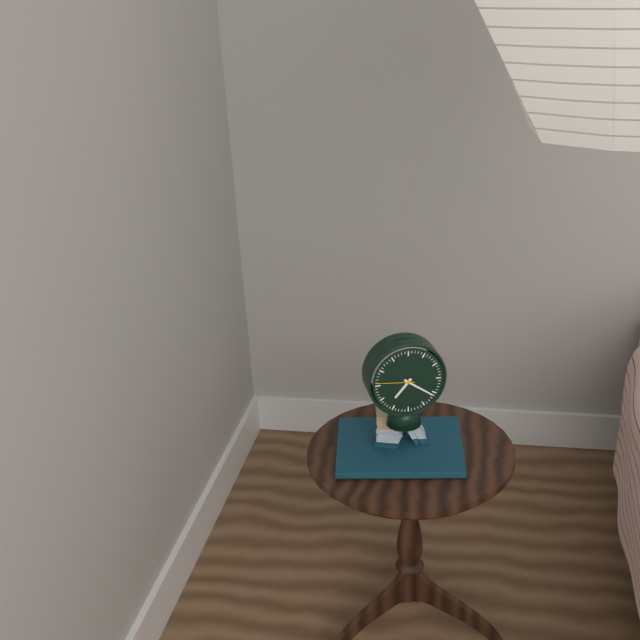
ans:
**7:21**
